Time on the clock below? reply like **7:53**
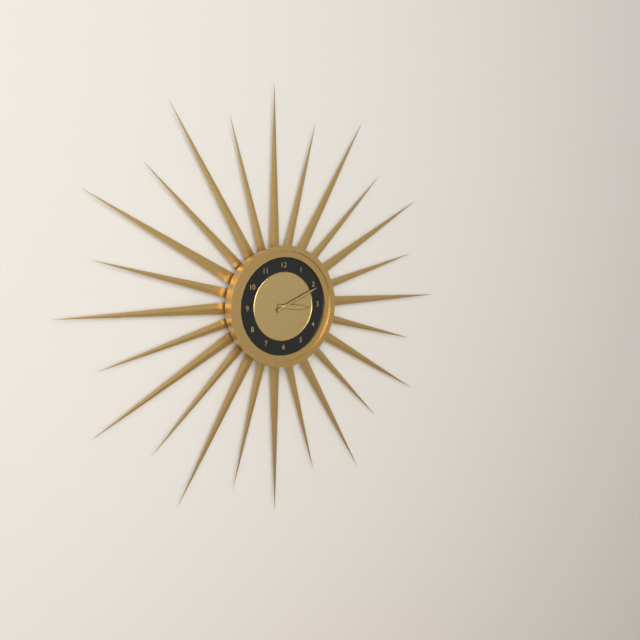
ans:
**3:11**
